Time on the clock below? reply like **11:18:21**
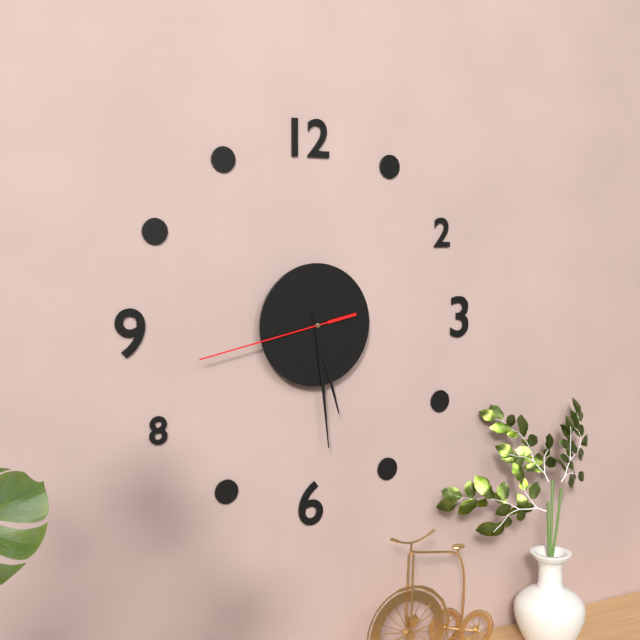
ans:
**5:29:43**
